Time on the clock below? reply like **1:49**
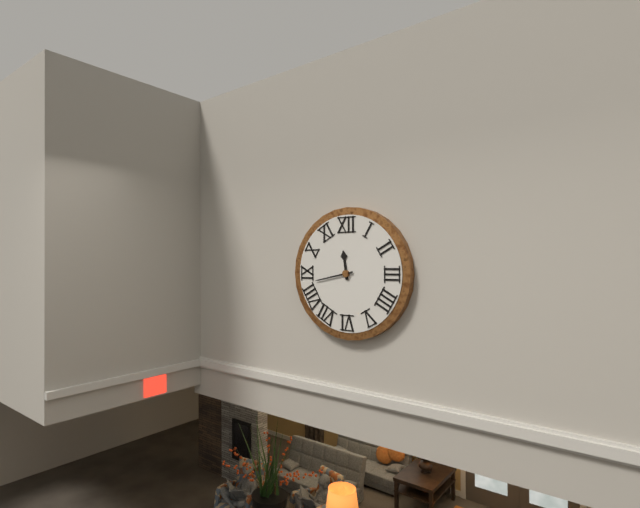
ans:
**11:43**
